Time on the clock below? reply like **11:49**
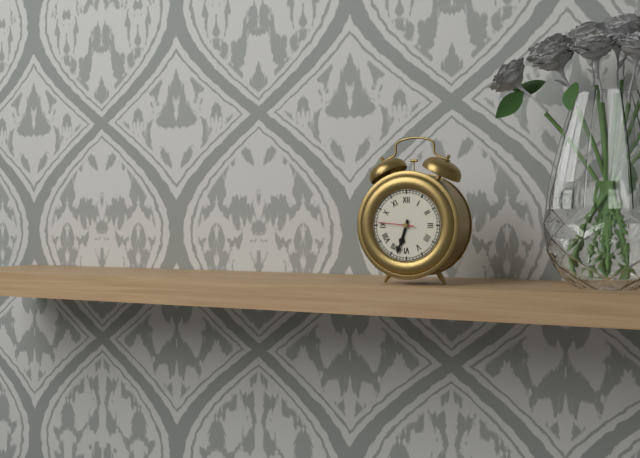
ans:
**6:33**
